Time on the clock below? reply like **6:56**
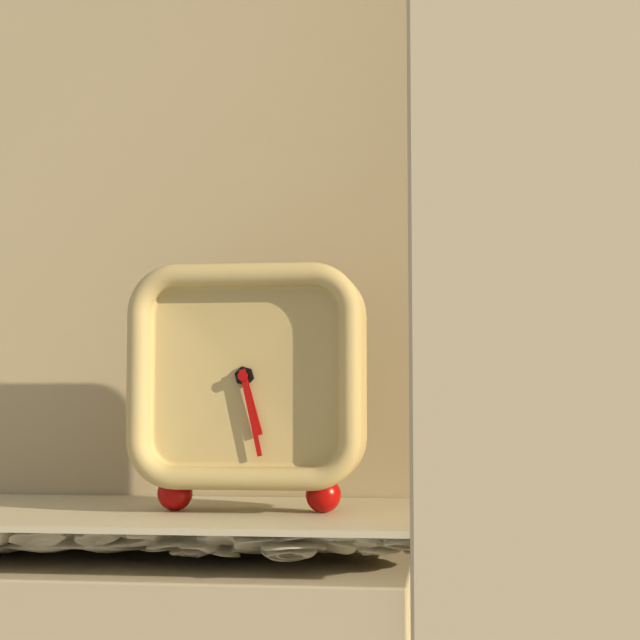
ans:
**5:28**
